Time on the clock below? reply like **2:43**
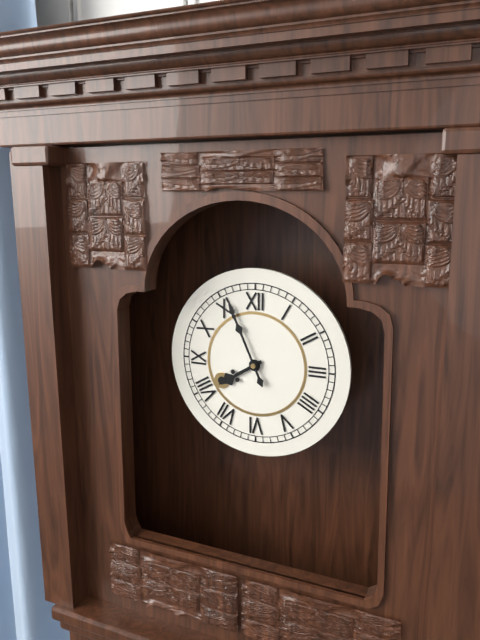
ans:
**7:56**
